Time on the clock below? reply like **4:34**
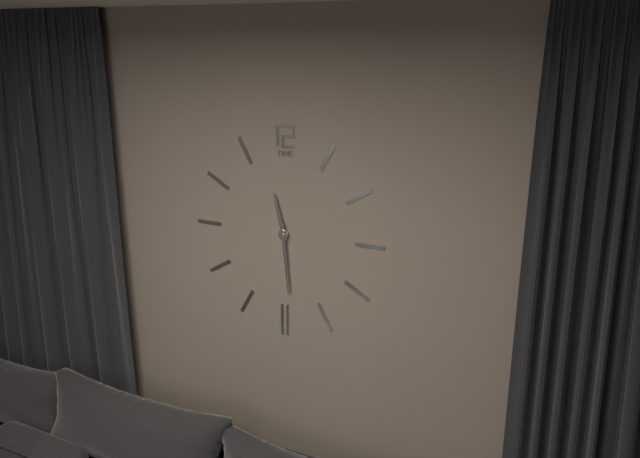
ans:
**11:29**
